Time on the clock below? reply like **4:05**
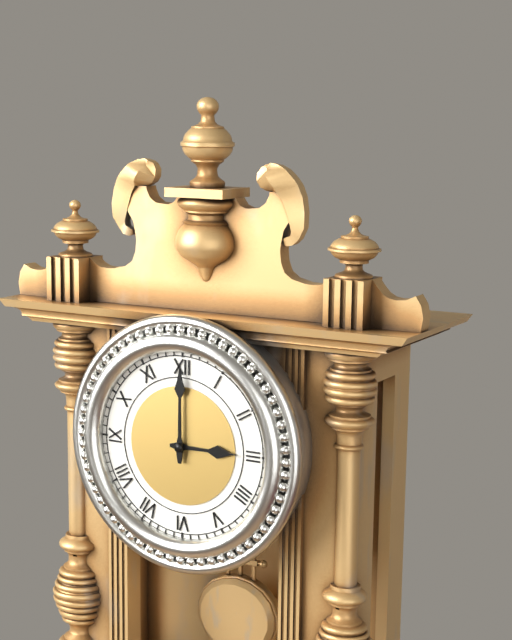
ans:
**3:00**
